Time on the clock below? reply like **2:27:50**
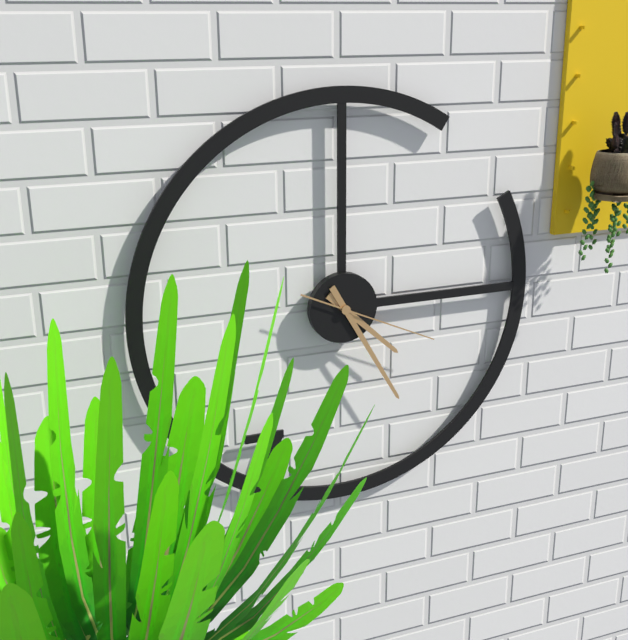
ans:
**4:25:19**
